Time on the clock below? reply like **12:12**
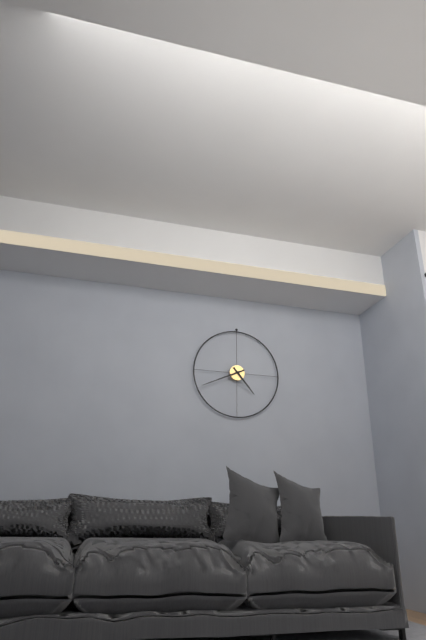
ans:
**4:41**
